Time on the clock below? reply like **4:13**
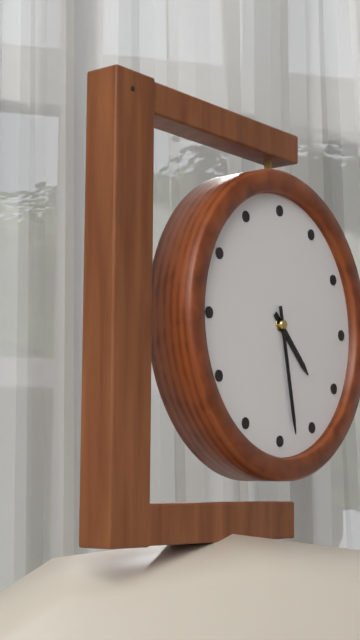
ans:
**4:28**
